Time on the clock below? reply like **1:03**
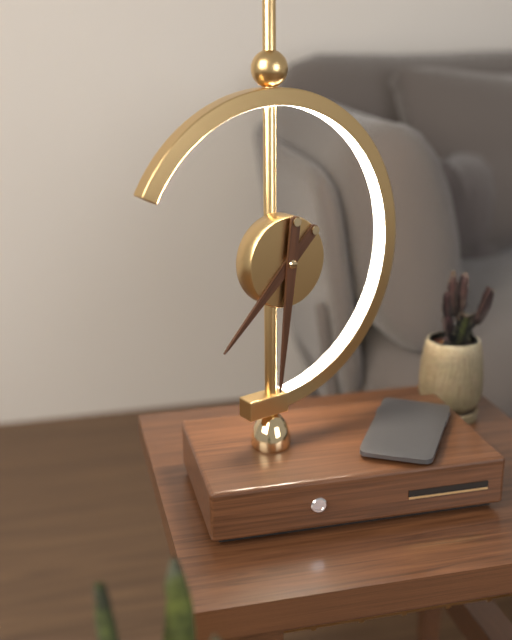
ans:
**7:31**
